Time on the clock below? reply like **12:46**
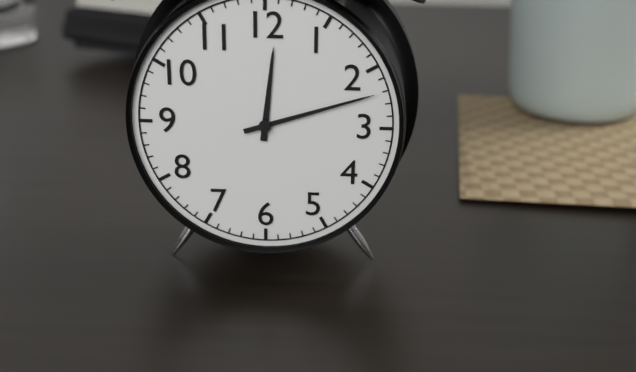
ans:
**12:12**
